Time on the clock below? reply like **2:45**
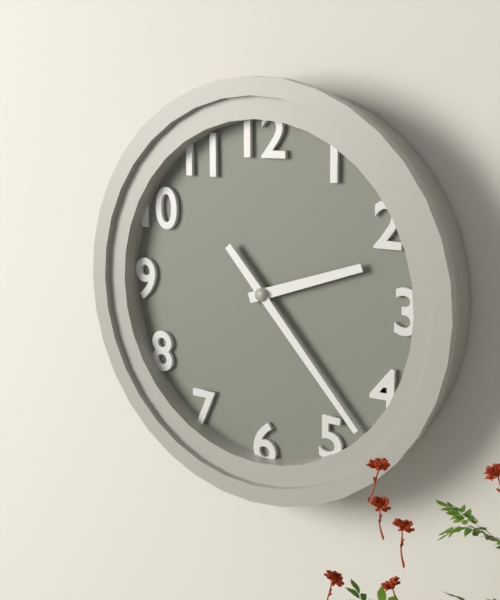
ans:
**2:23**
